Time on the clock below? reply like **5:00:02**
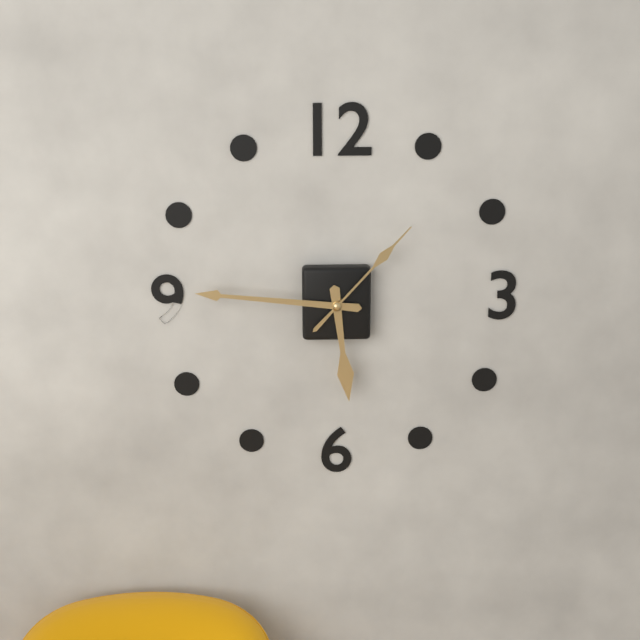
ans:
**5:46:07**
